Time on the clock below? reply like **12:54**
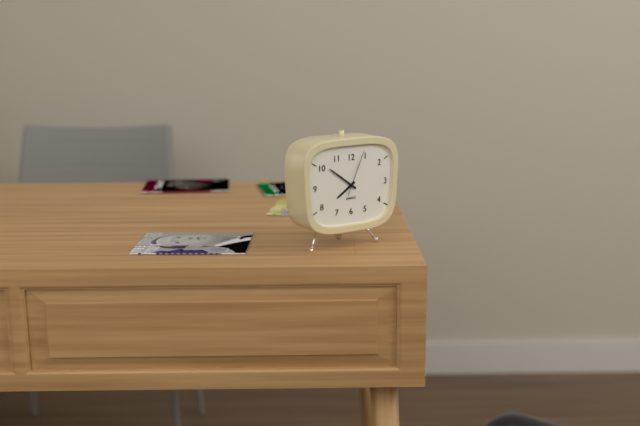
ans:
**7:51**
